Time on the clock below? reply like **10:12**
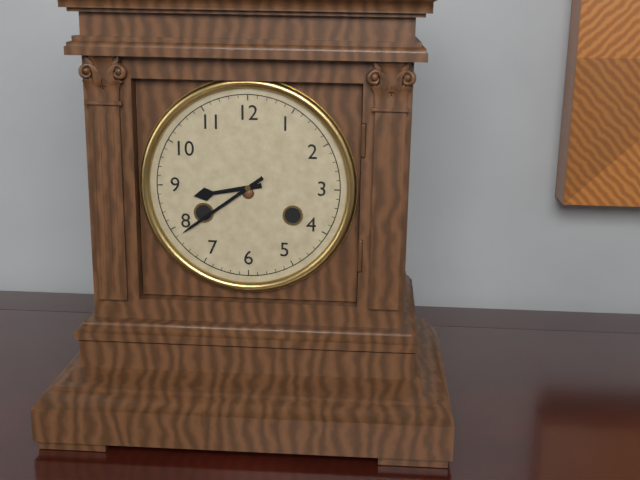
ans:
**8:39**
